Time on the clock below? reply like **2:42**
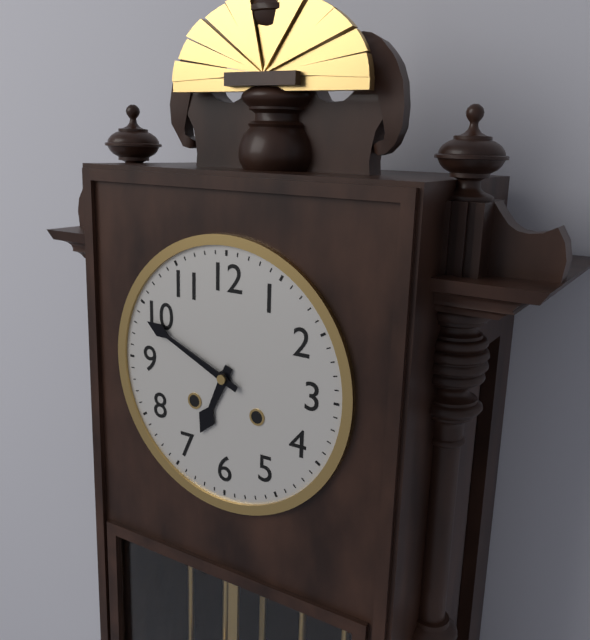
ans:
**6:49**
